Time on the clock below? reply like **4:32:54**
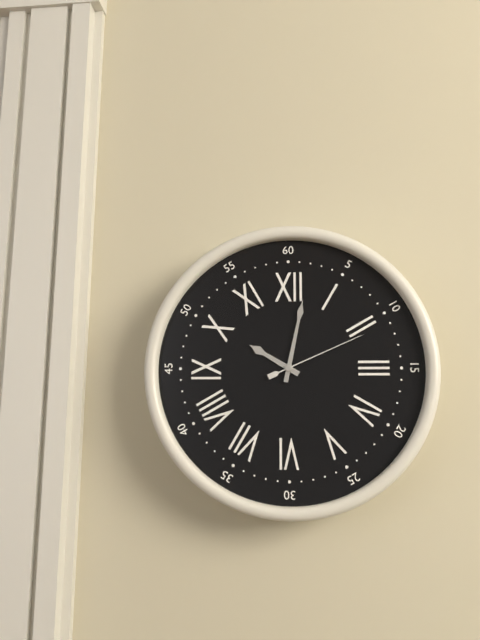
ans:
**10:02:11**
